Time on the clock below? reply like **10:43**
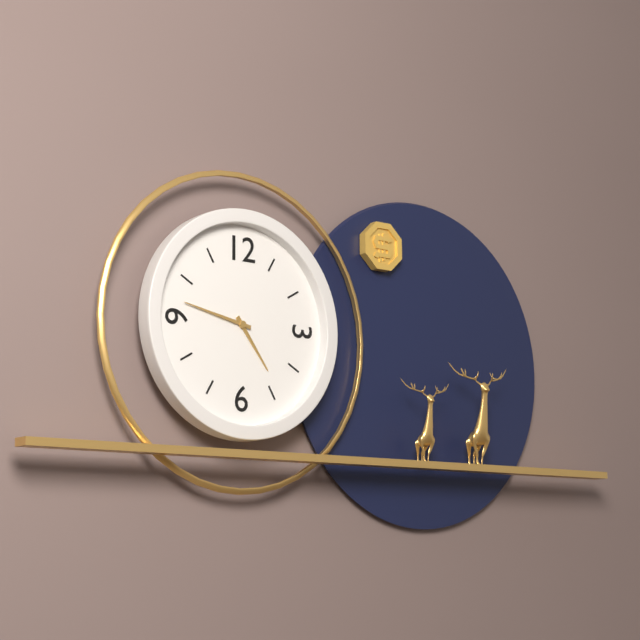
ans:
**4:47**
